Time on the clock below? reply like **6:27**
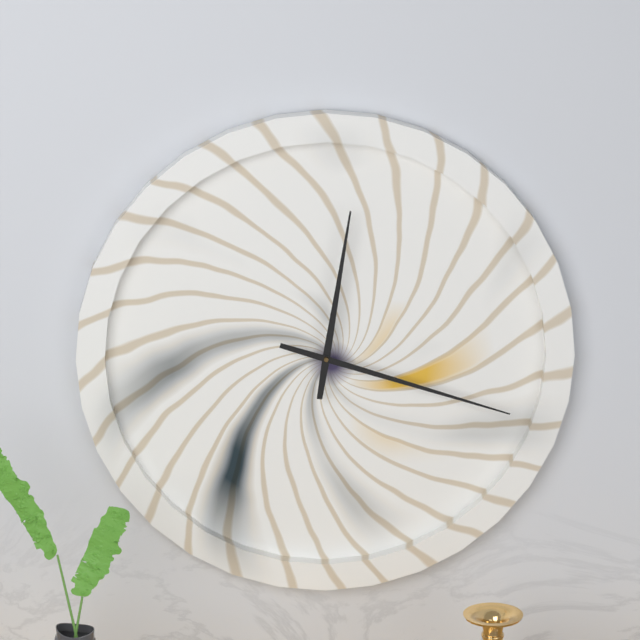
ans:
**12:18**
